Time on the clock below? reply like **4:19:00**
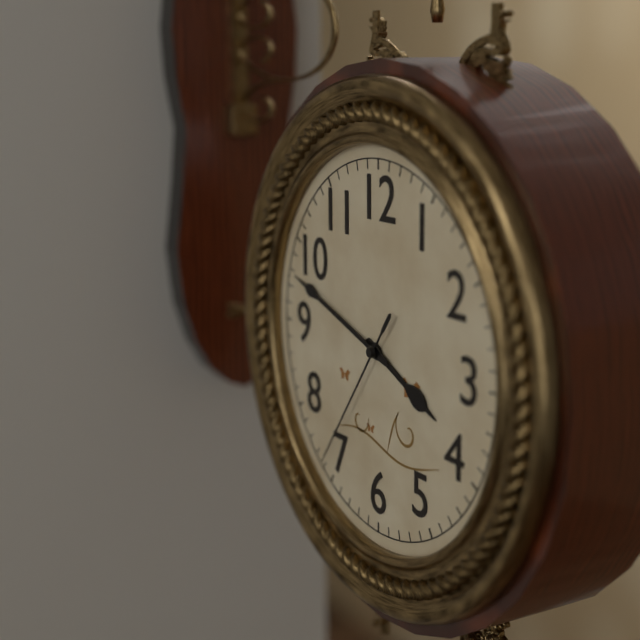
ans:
**3:48:36**
